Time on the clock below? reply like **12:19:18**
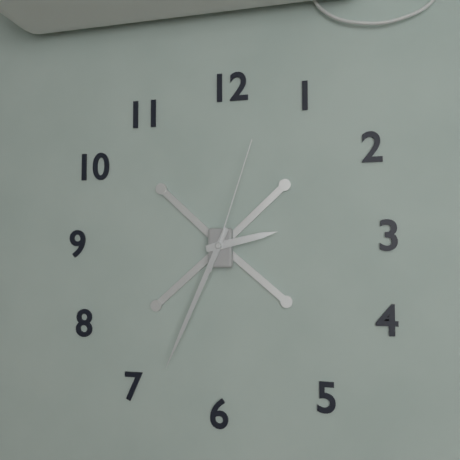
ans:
**2:34:03**
